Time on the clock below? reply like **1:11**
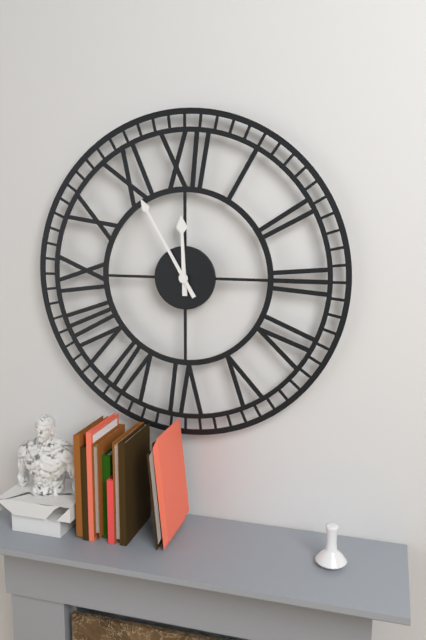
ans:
**11:55**
